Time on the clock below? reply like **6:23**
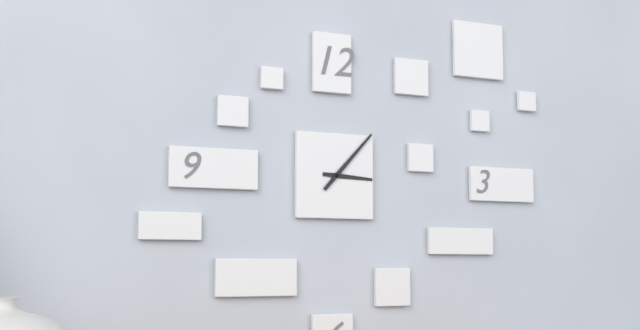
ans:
**3:07**
